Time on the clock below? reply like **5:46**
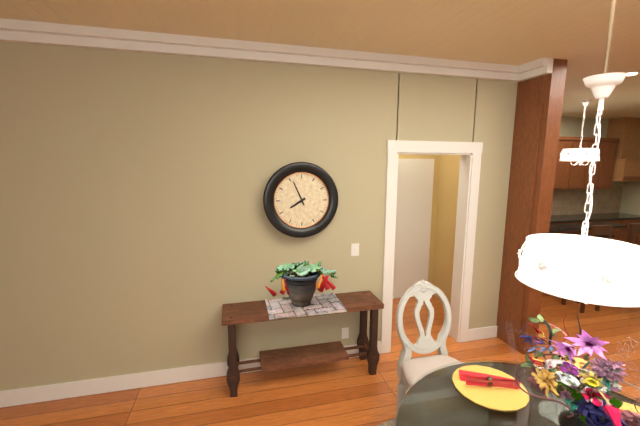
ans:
**7:56**
